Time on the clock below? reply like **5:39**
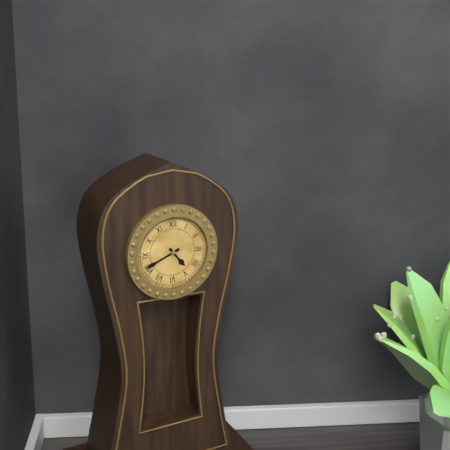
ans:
**4:41**
